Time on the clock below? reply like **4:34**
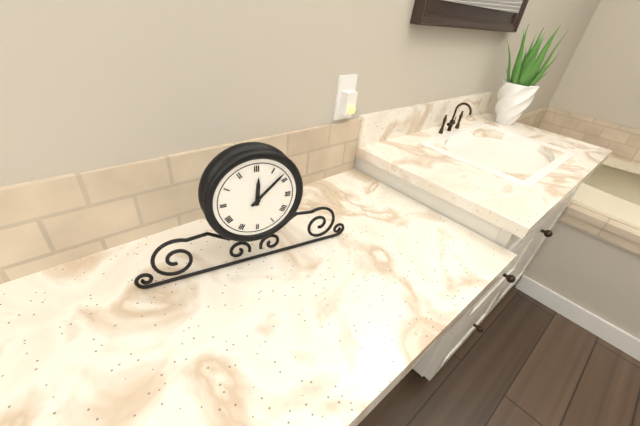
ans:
**12:08**
